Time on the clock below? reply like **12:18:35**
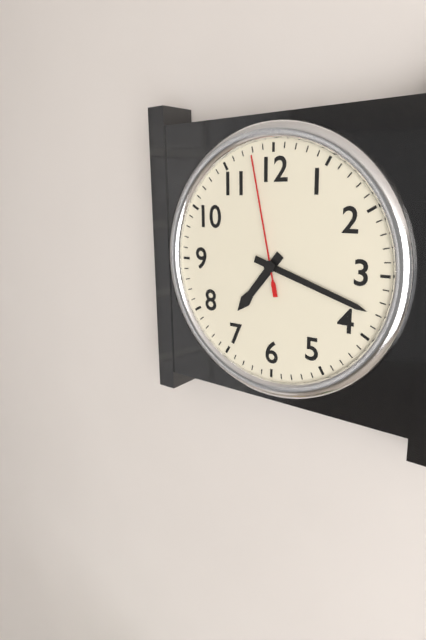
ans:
**7:18:58**
